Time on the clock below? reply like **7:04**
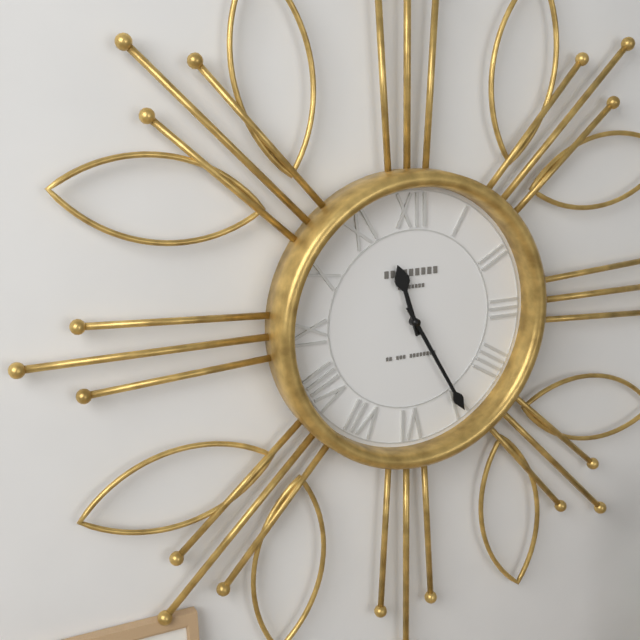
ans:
**11:25**
